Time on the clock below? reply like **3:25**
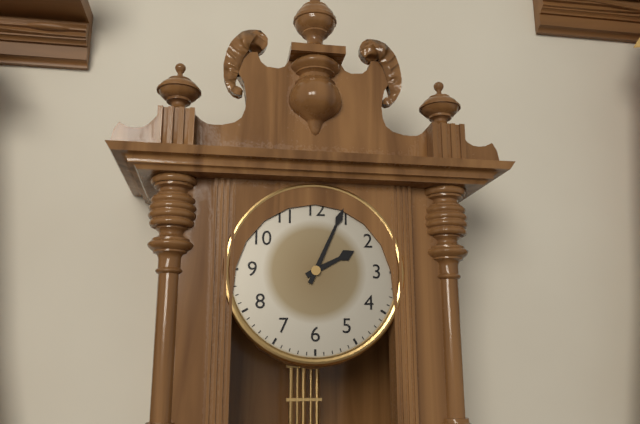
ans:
**2:04**
